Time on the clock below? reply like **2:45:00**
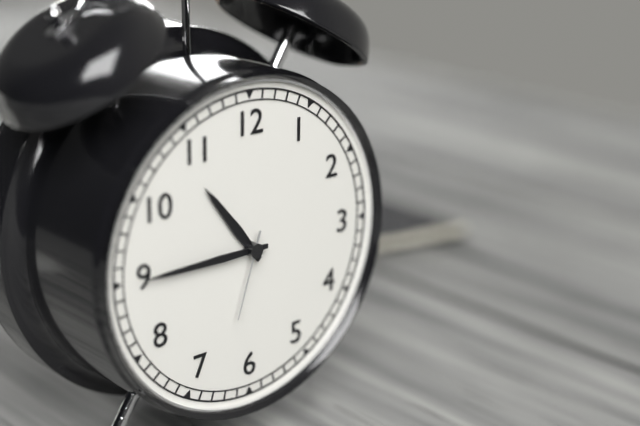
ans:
**10:45:33**
